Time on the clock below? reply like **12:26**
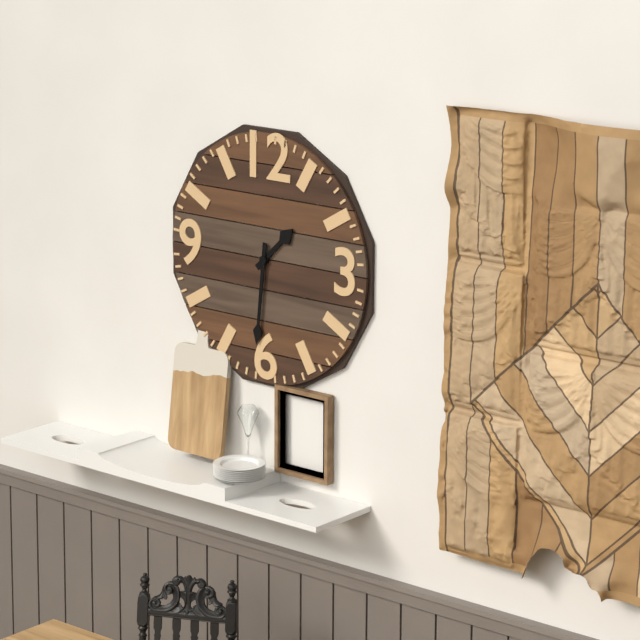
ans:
**1:31**
